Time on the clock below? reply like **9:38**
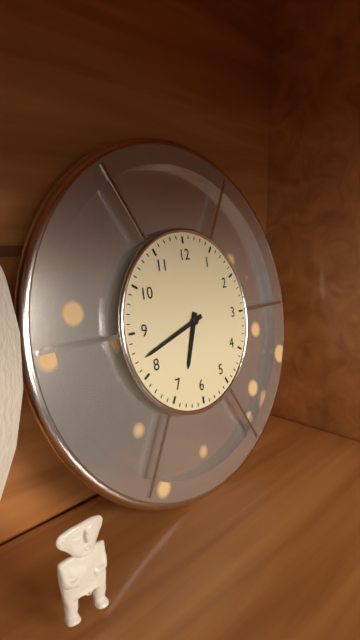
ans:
**6:42**
